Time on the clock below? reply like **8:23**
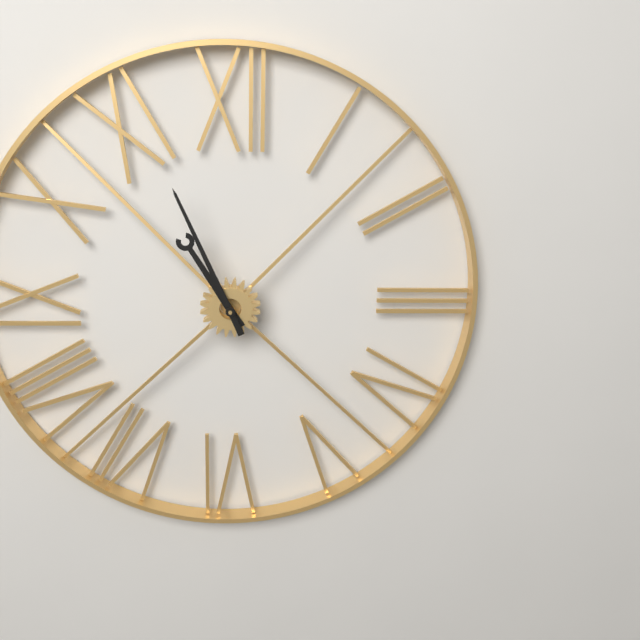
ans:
**10:56**
